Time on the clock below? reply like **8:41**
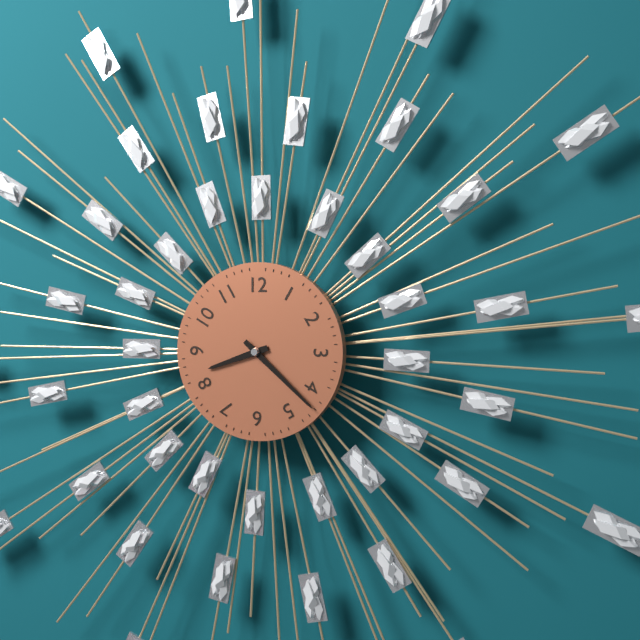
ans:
**8:22**
